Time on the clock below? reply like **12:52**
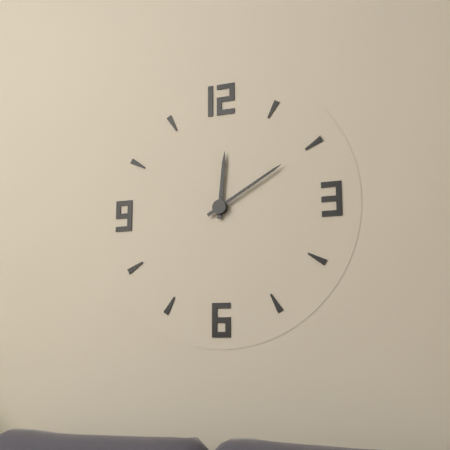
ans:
**12:10**
